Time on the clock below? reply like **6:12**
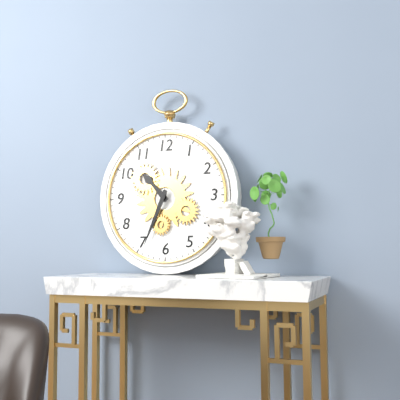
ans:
**10:34**
